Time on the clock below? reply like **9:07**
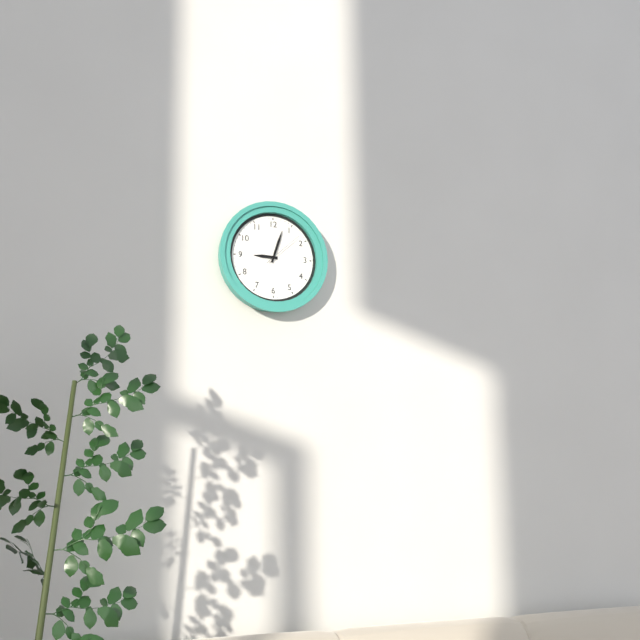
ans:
**9:03**
